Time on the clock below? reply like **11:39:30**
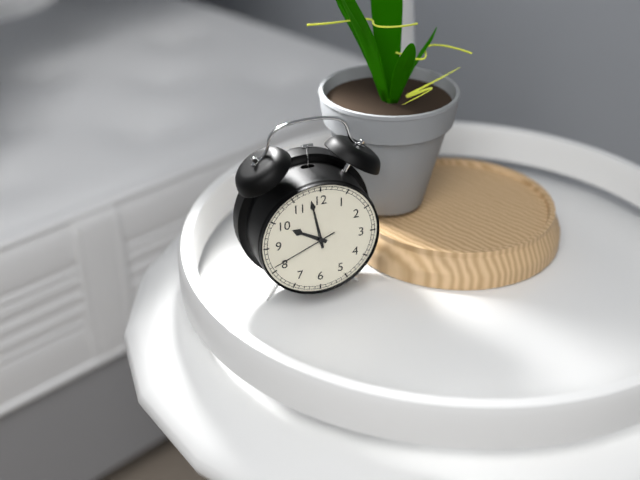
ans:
**9:58:41**
